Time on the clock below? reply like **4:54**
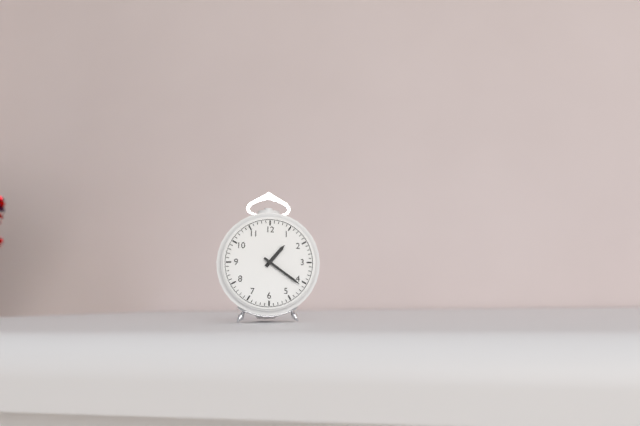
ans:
**1:21**
